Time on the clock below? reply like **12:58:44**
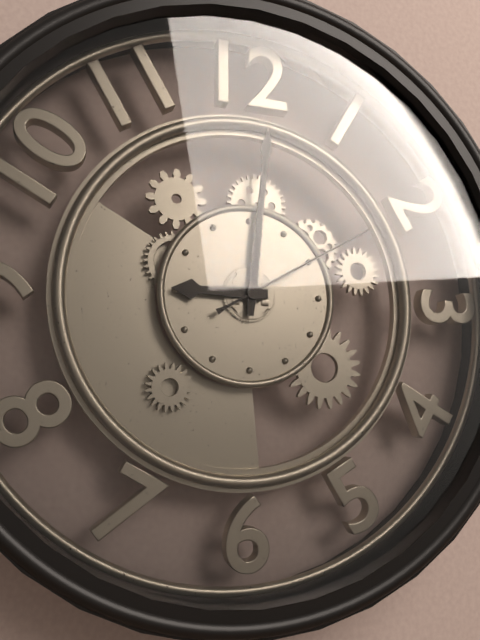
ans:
**9:01:10**
